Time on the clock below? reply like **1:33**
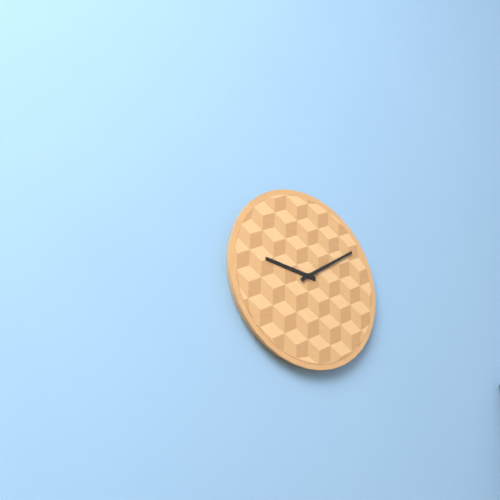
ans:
**9:09**
